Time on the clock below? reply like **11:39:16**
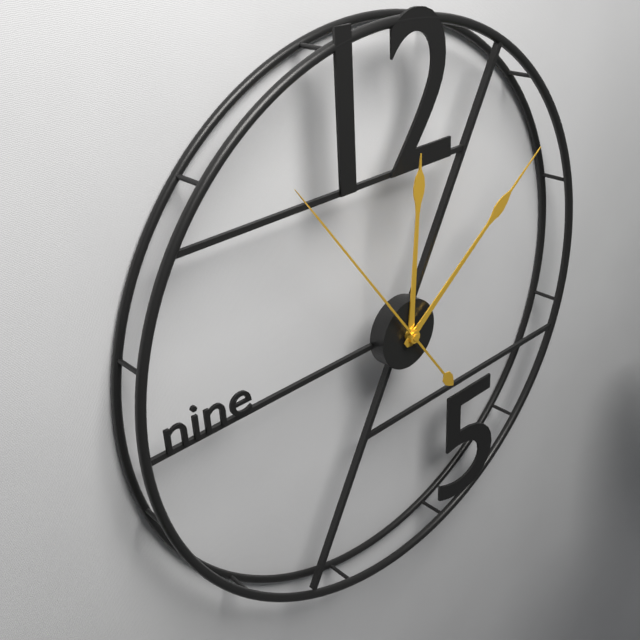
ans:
**12:09:54**
